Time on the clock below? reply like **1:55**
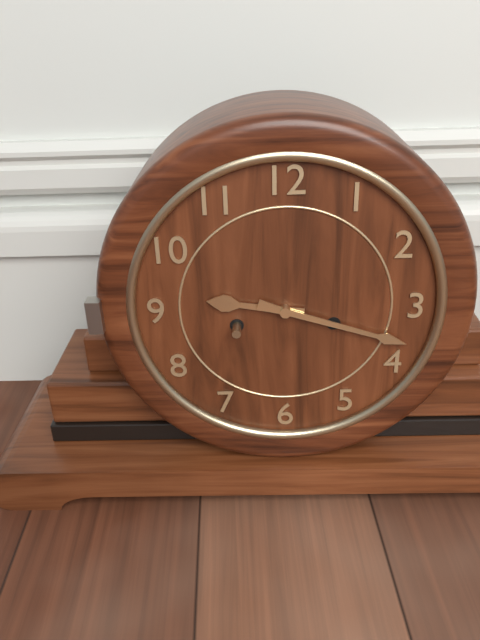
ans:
**9:18**
